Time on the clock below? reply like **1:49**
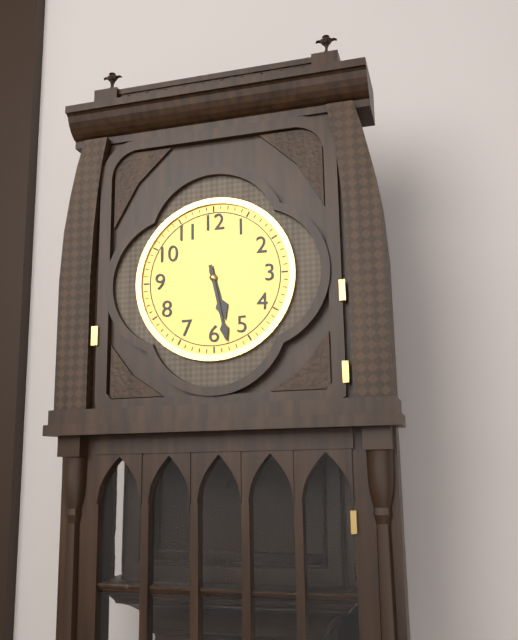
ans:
**5:28**
